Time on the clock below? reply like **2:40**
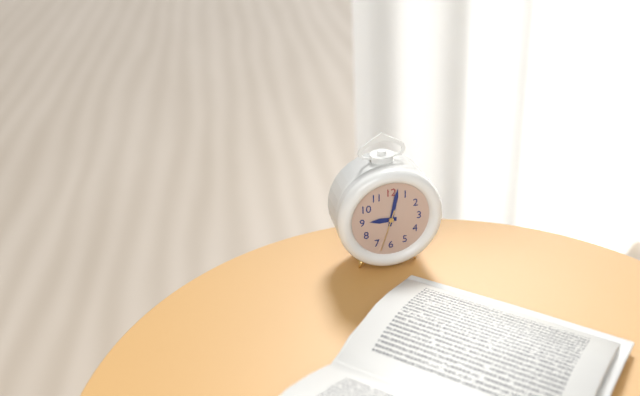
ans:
**9:02**
